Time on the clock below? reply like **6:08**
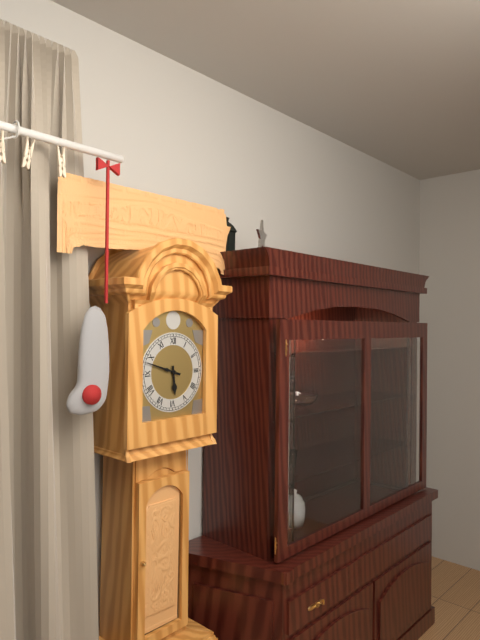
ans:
**5:48**
